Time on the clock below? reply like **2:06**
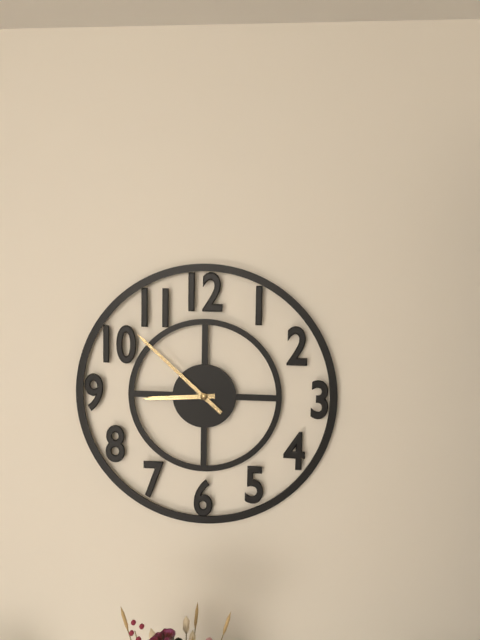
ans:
**8:52**
